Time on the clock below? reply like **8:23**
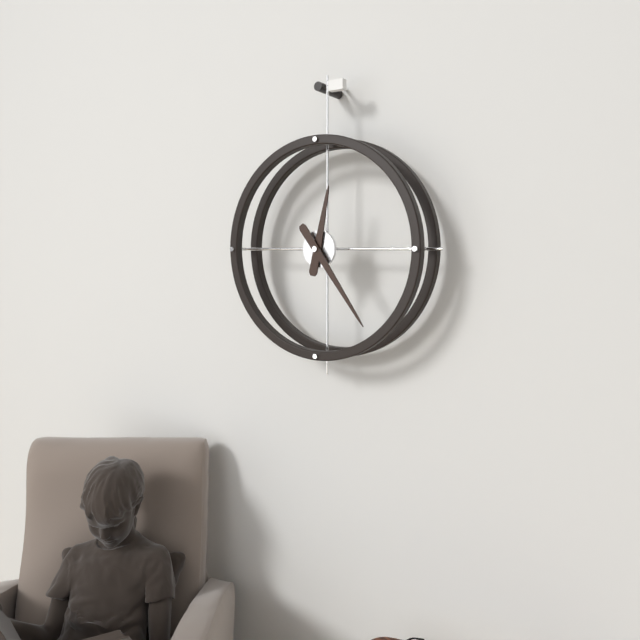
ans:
**12:24**
